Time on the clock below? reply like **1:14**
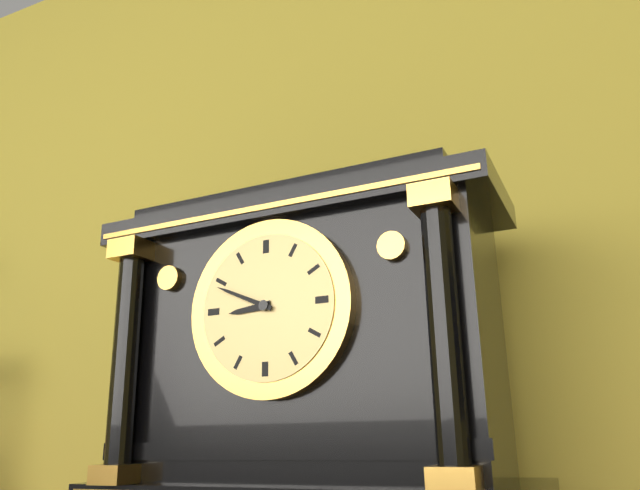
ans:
**8:49**
